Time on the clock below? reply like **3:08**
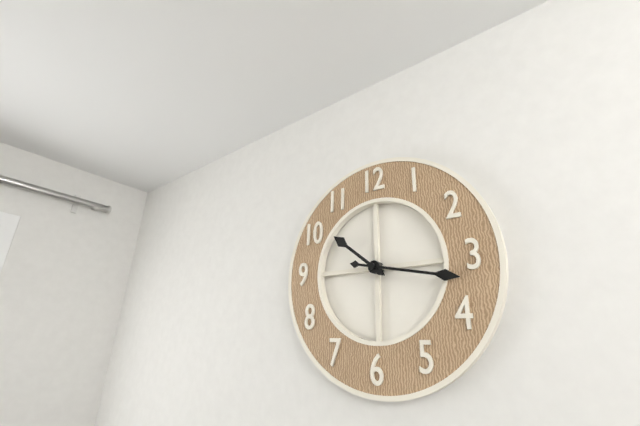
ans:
**10:17**
